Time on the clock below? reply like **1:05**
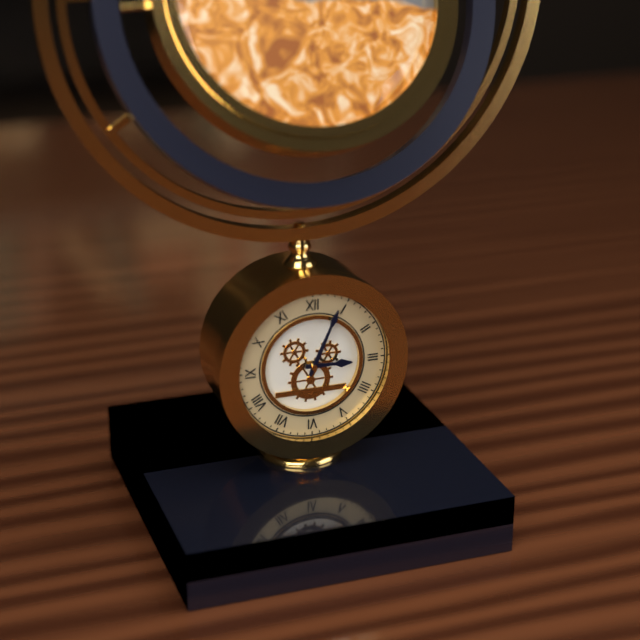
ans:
**3:04**
